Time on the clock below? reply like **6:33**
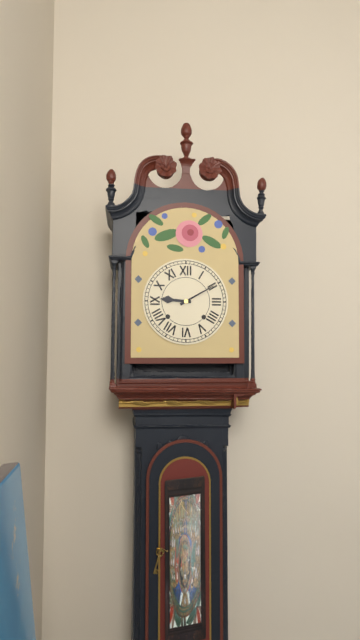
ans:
**9:10**
